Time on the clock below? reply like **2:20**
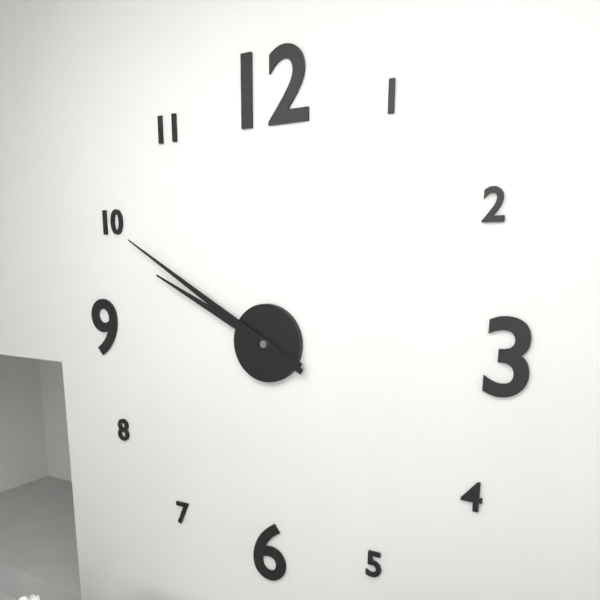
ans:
**9:50**
